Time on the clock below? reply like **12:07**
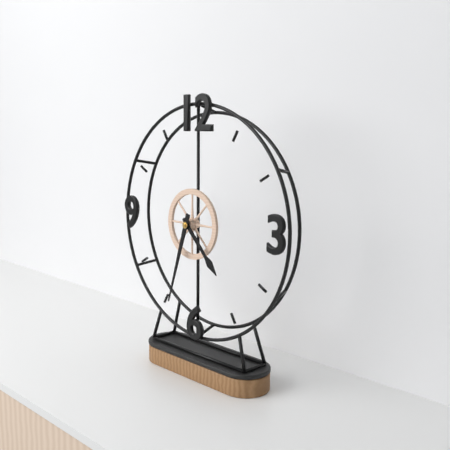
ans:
**4:33**
